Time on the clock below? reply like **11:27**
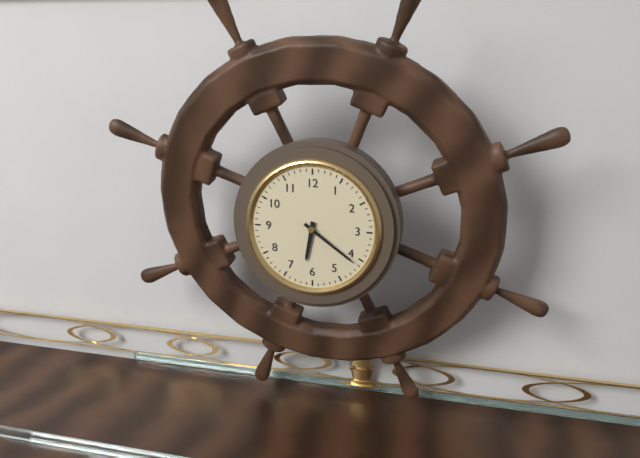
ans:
**6:21**
